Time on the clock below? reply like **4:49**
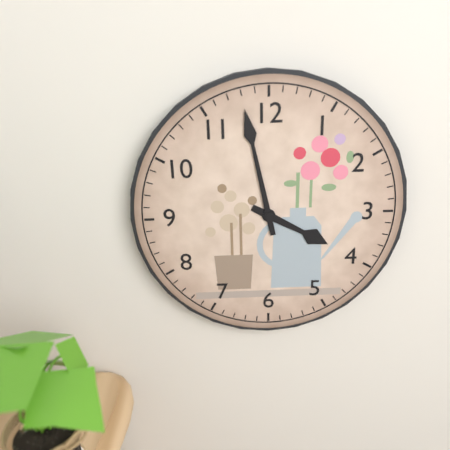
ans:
**3:58**
